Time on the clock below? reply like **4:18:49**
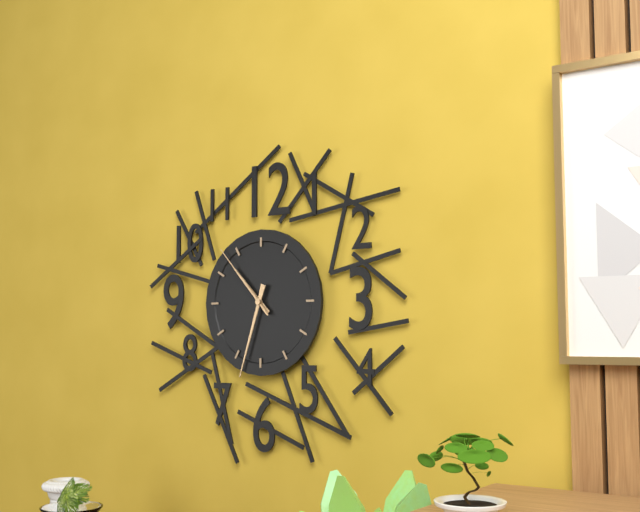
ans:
**10:33:53**
